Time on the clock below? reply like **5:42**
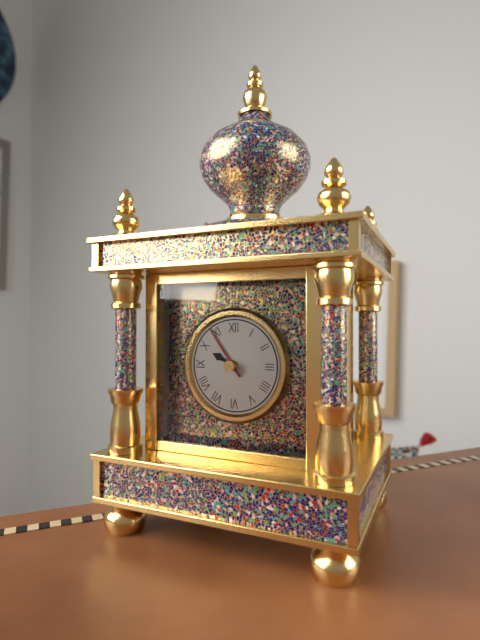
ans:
**9:54**
